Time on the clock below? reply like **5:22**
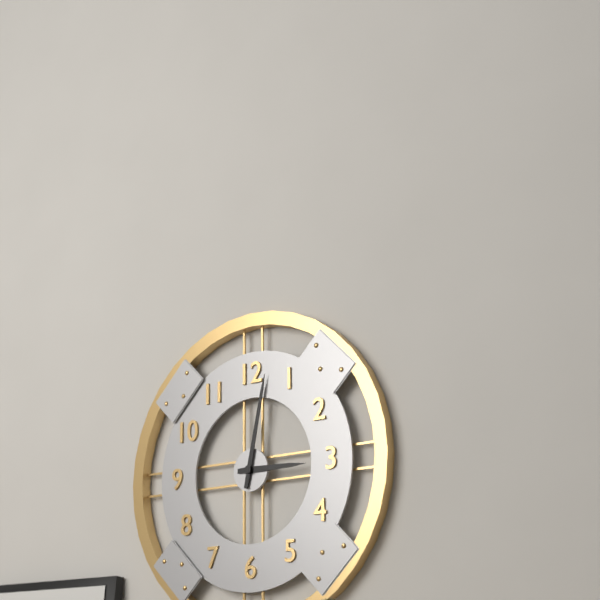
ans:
**3:02**
